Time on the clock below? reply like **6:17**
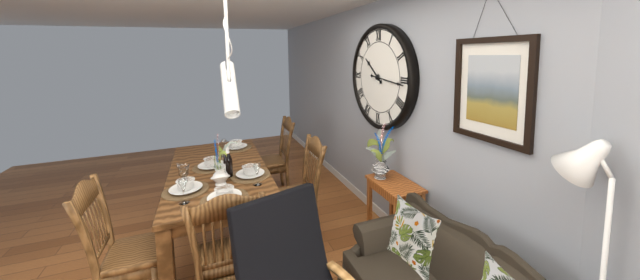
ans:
**10:16**
